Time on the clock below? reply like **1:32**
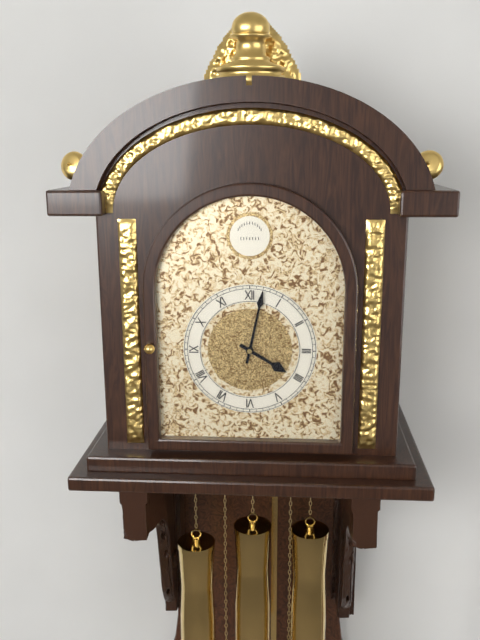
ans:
**4:02**
